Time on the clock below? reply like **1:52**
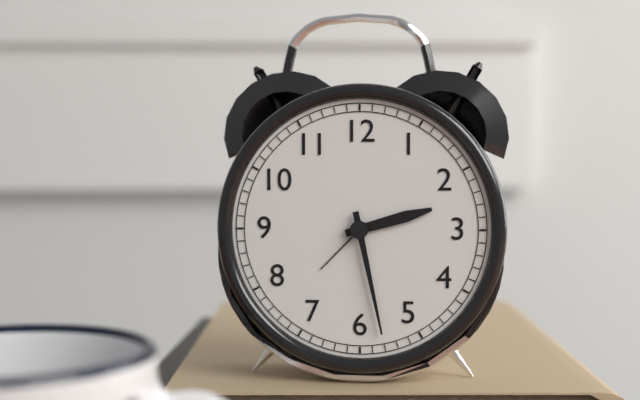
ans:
**2:28**
